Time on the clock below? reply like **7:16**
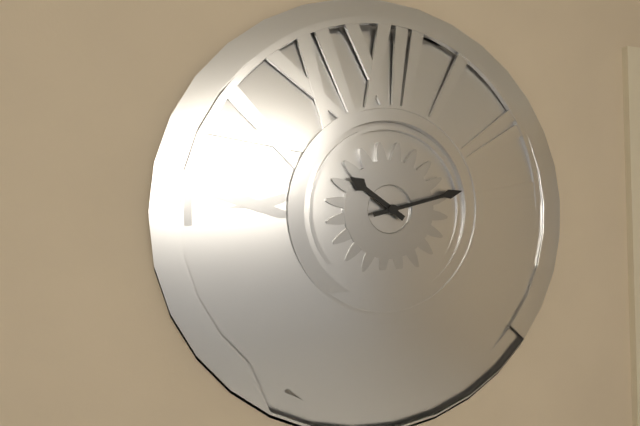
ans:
**10:13**
